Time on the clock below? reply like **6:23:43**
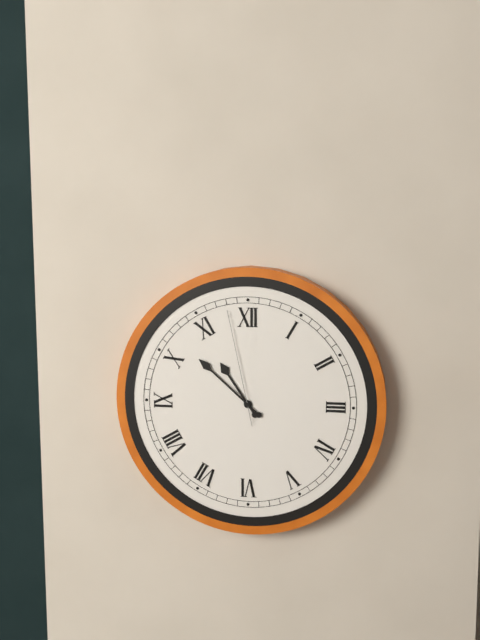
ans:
**10:52:58**
